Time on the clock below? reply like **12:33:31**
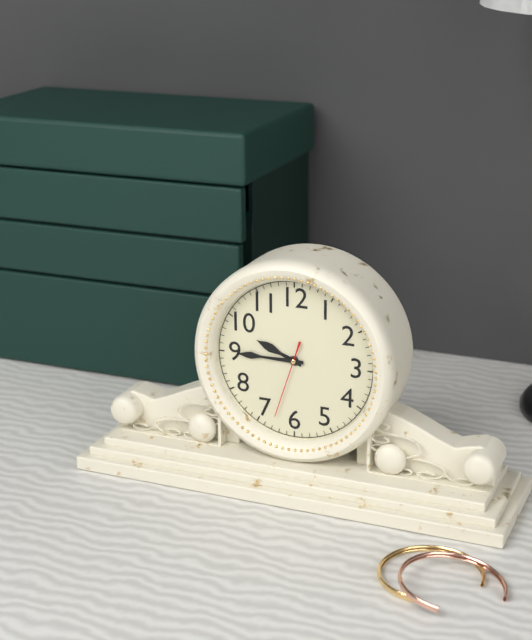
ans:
**9:45:33**
